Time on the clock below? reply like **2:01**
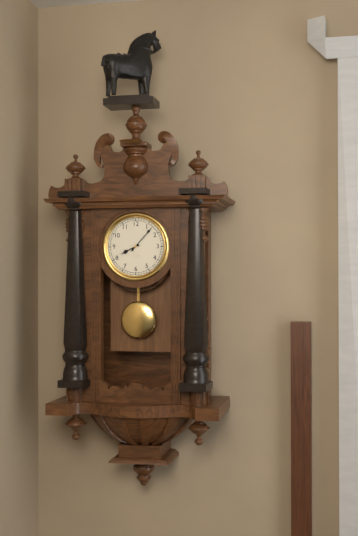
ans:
**8:07**
